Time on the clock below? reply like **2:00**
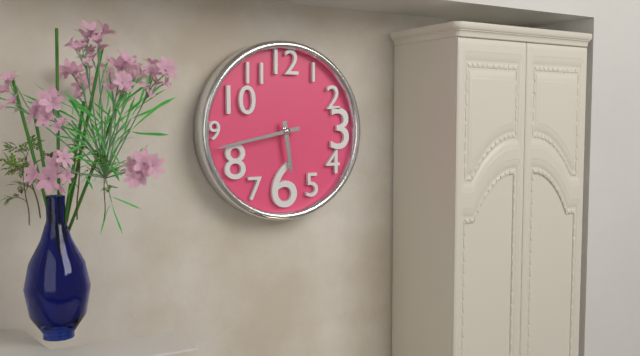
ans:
**5:43**
